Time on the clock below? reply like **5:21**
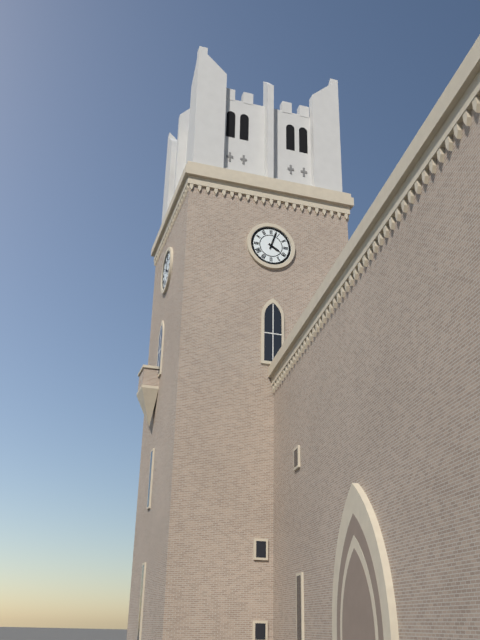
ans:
**4:03**
